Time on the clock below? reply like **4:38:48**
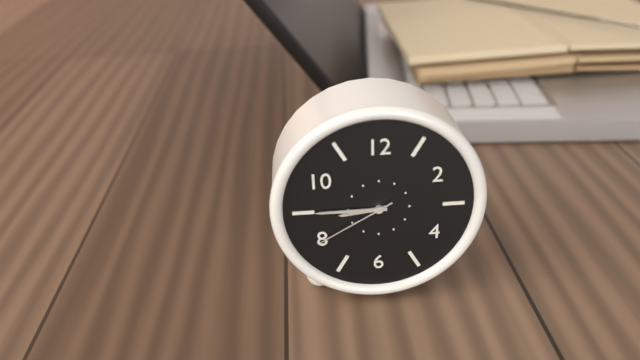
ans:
**8:45:40**
